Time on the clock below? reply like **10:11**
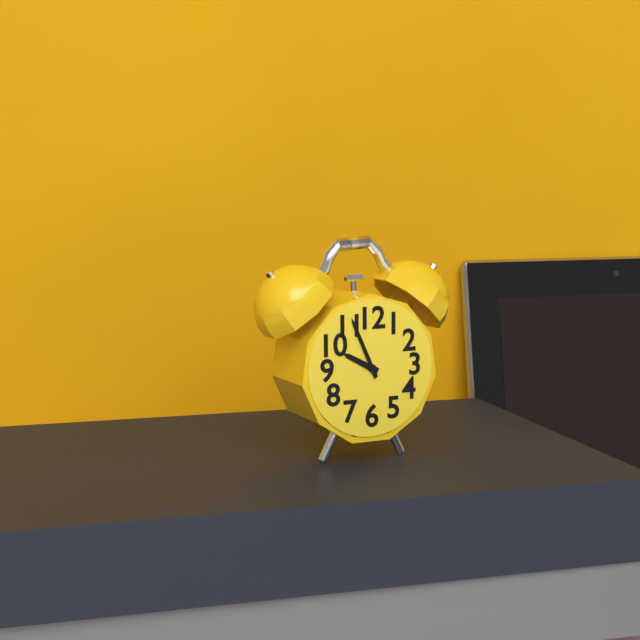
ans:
**9:56**
